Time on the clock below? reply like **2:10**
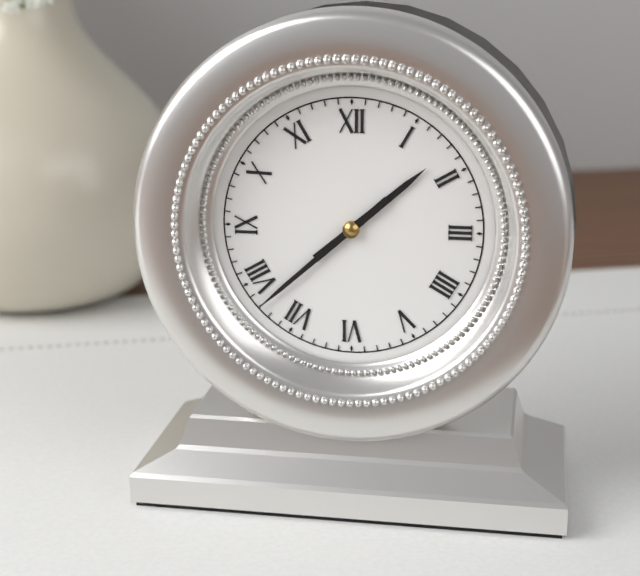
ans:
**1:38**
